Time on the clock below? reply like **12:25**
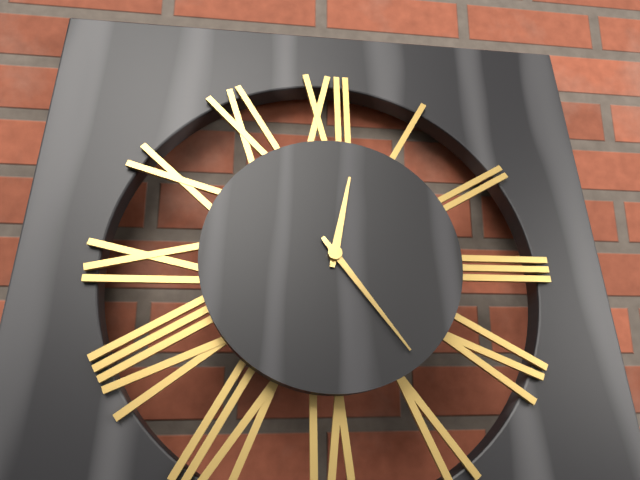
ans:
**12:24**
